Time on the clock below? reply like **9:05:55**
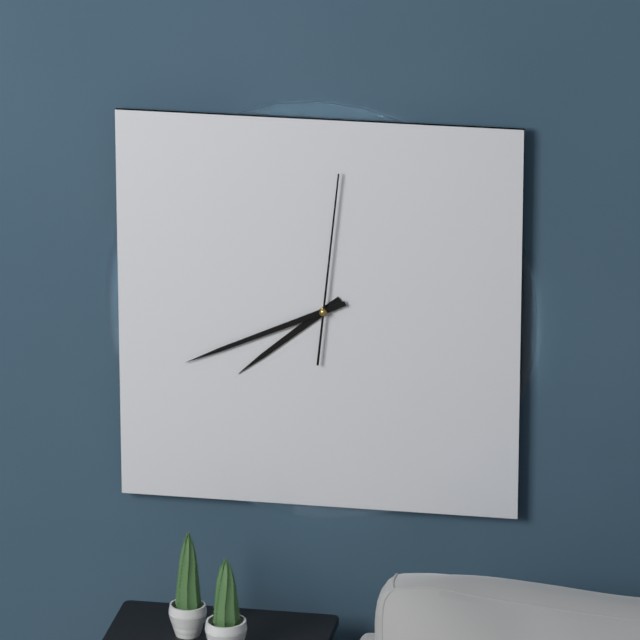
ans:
**7:41:01**
